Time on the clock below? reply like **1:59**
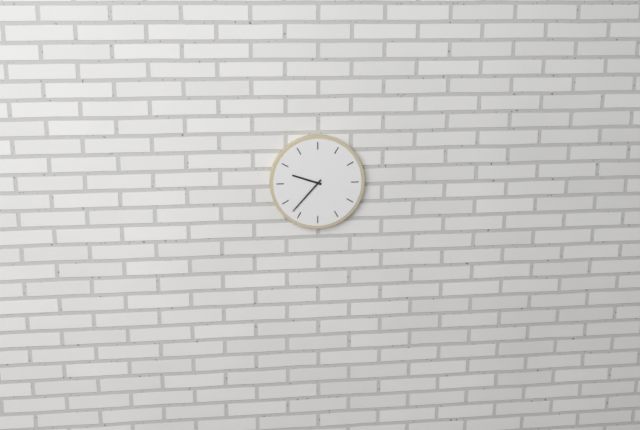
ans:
**9:37**
